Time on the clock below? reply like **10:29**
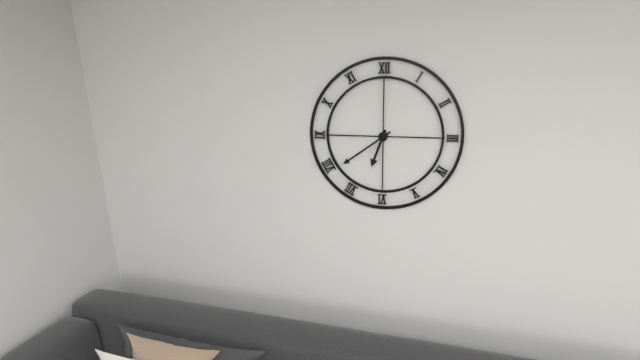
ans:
**6:39**
